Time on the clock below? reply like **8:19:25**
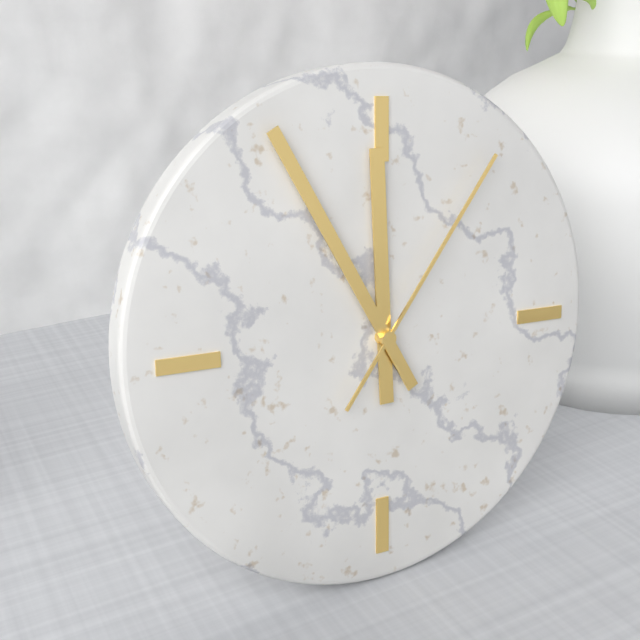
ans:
**11:55:06**
